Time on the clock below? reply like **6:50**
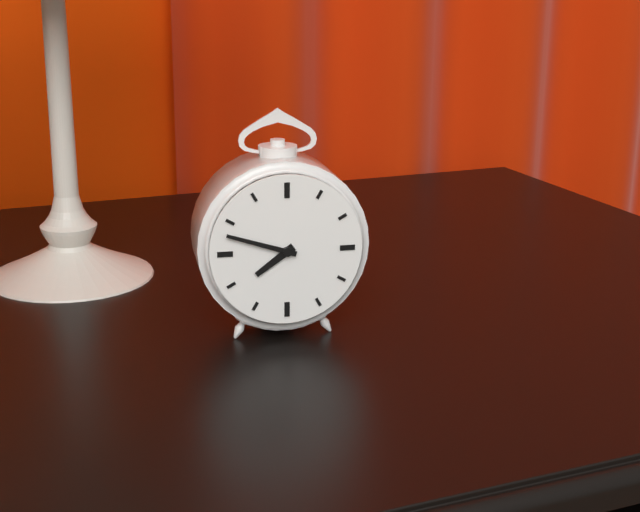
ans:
**7:48**
